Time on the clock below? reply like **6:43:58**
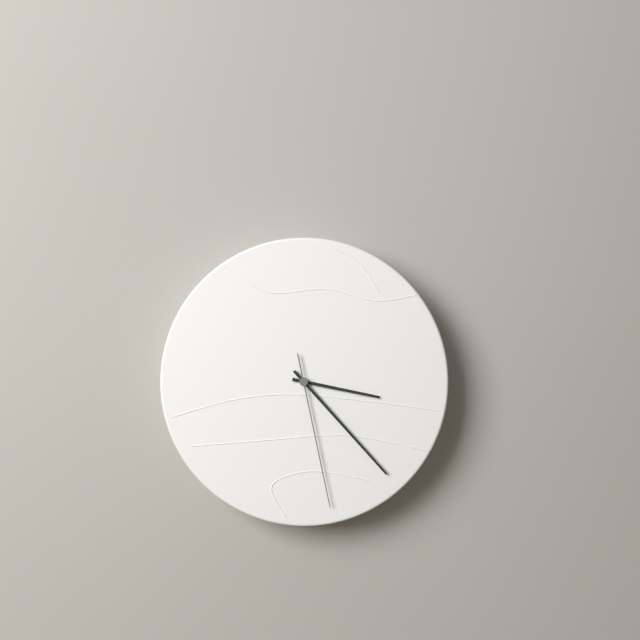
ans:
**3:23:28**
